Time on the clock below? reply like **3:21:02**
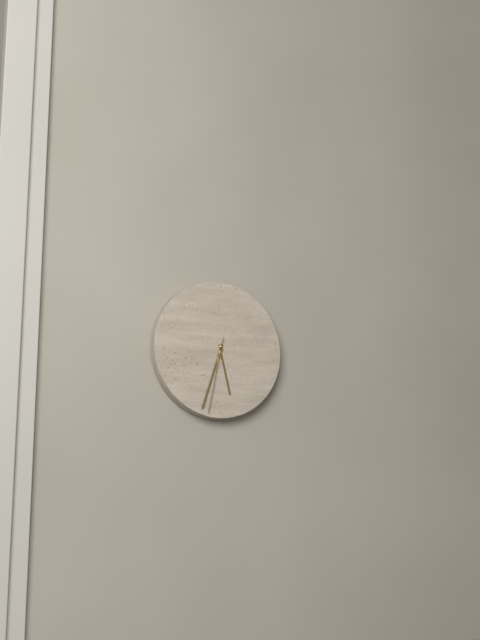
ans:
**5:33:32**
